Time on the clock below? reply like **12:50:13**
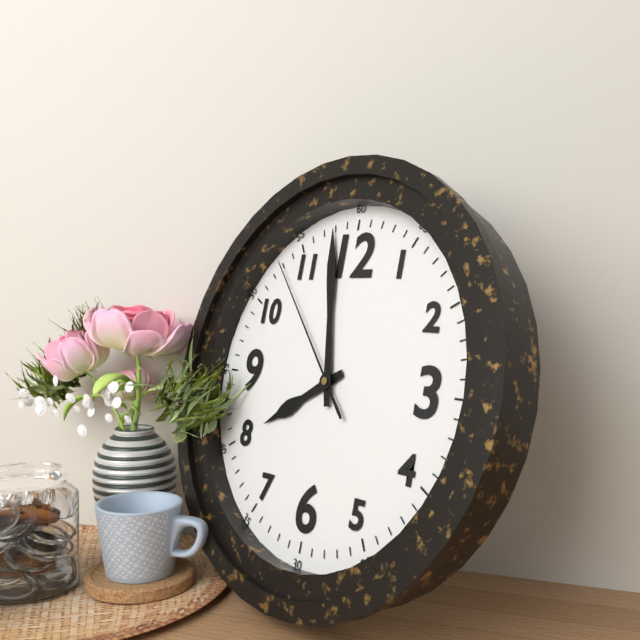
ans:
**7:58:53**
